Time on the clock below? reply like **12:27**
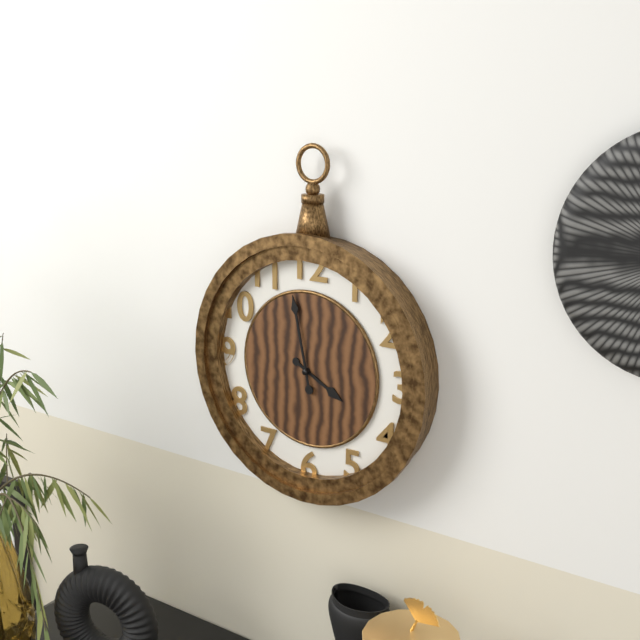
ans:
**3:58**
